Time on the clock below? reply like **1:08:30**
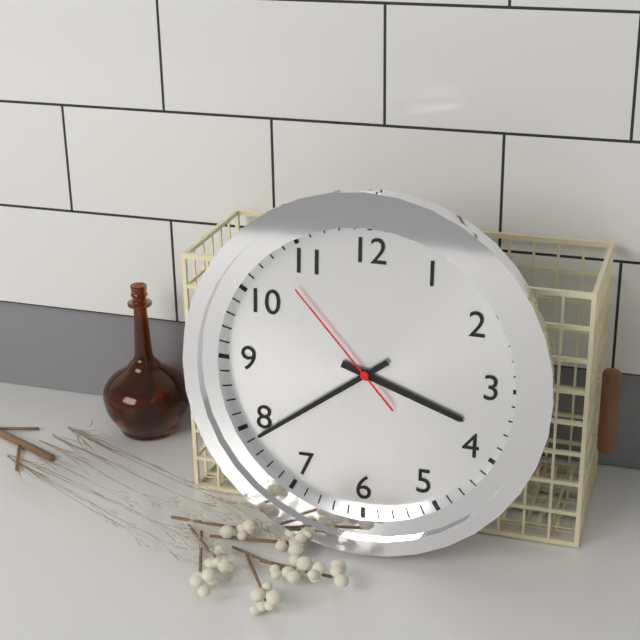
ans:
**3:39:53**
